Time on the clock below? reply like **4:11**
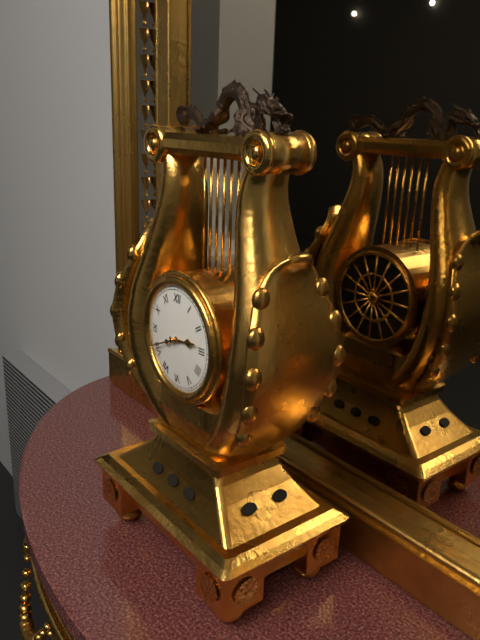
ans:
**2:41**
